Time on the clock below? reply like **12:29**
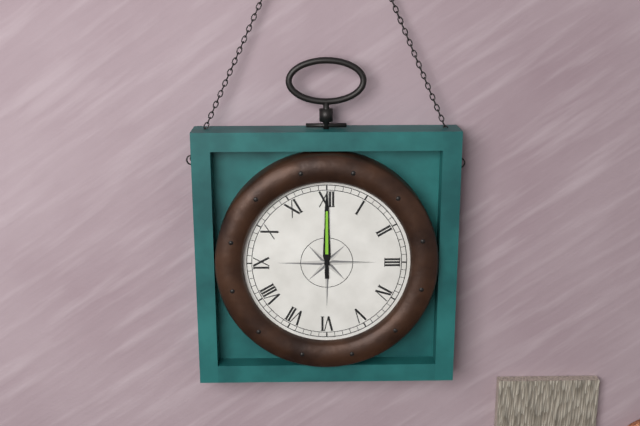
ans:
**12:00**
